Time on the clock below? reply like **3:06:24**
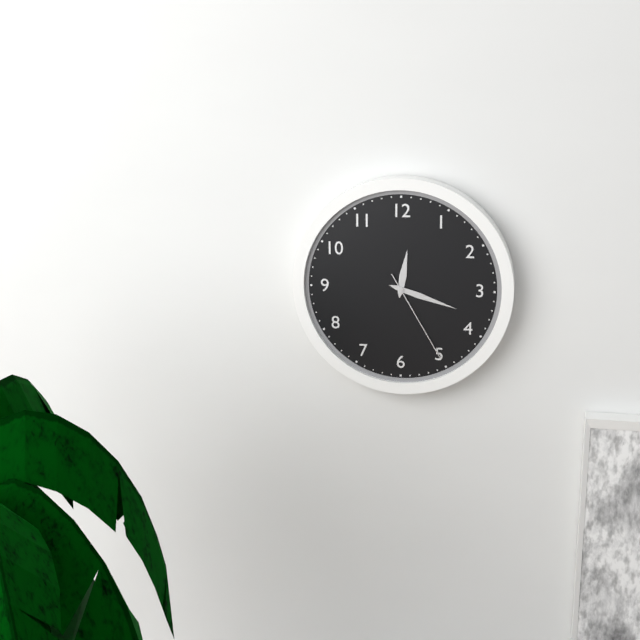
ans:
**12:18:25**
